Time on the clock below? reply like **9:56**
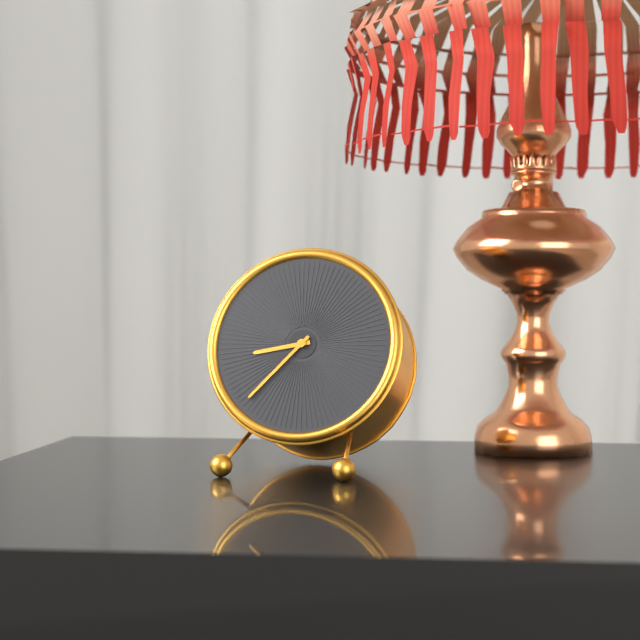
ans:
**8:37**
